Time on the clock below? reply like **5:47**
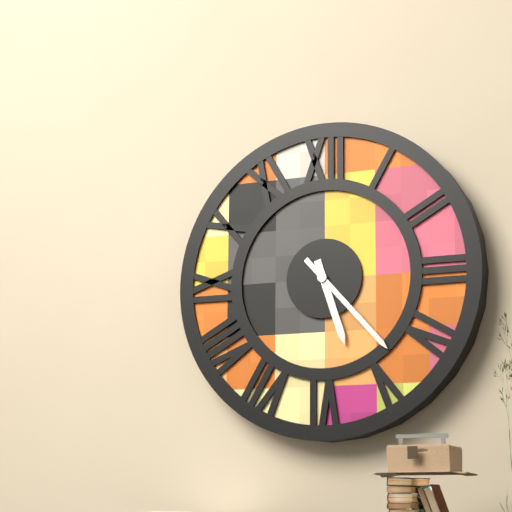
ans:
**5:23**
